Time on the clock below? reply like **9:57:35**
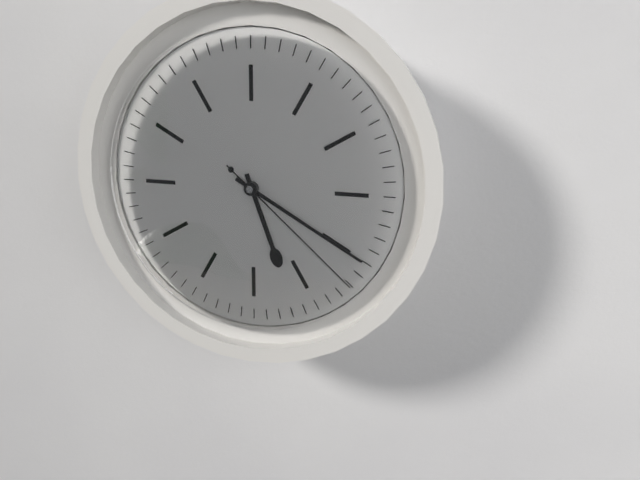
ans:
**5:20:22**
